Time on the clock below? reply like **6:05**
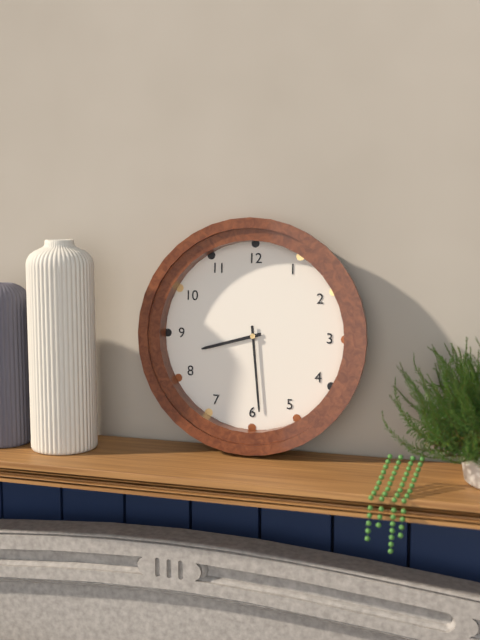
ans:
**8:29**
